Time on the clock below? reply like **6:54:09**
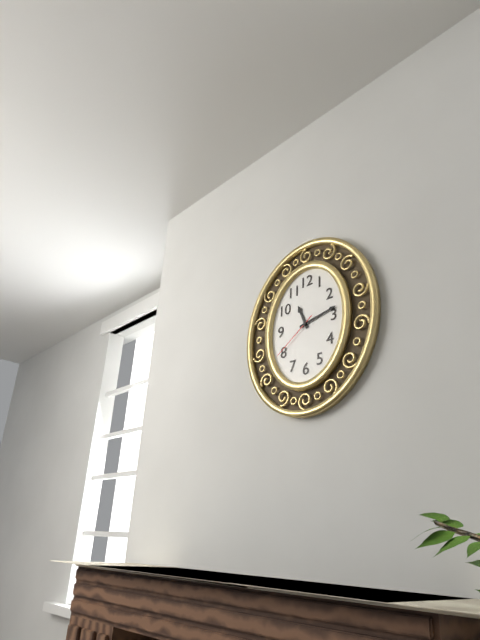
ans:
**11:13:39**
